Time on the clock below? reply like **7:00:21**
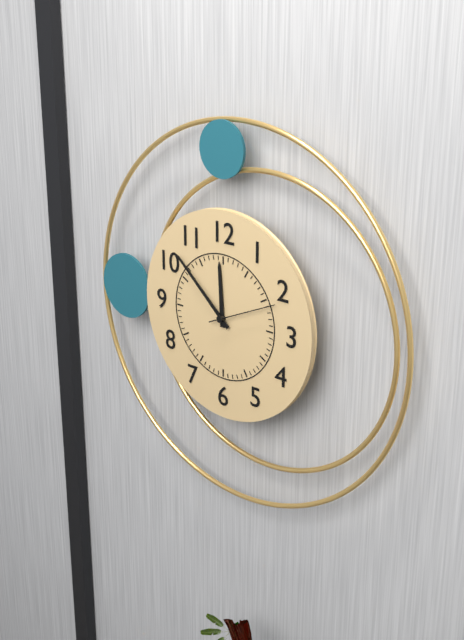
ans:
**11:52:11**
